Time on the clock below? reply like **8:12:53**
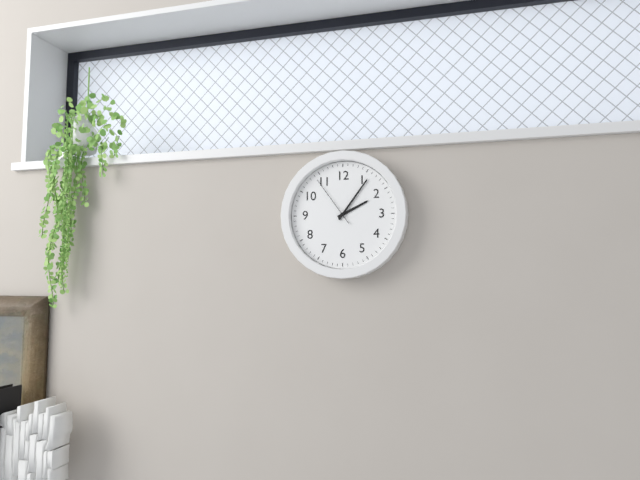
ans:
**2:06:54**
